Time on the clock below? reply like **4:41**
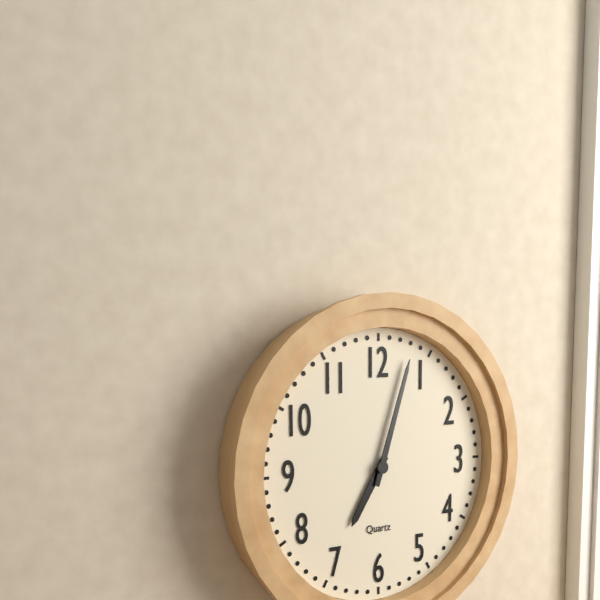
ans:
**7:03**
